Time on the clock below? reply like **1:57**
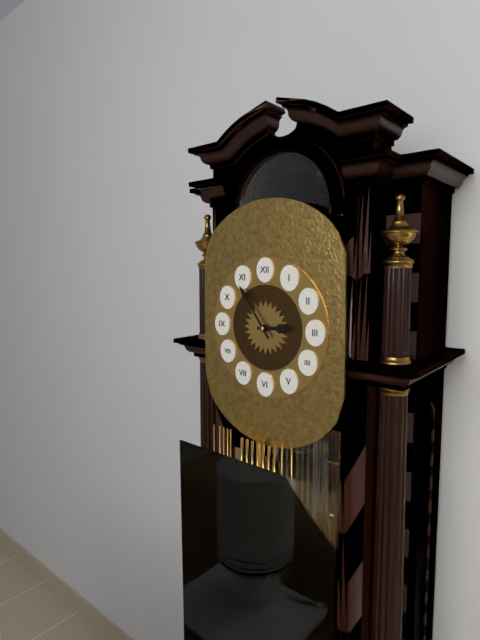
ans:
**2:54**
